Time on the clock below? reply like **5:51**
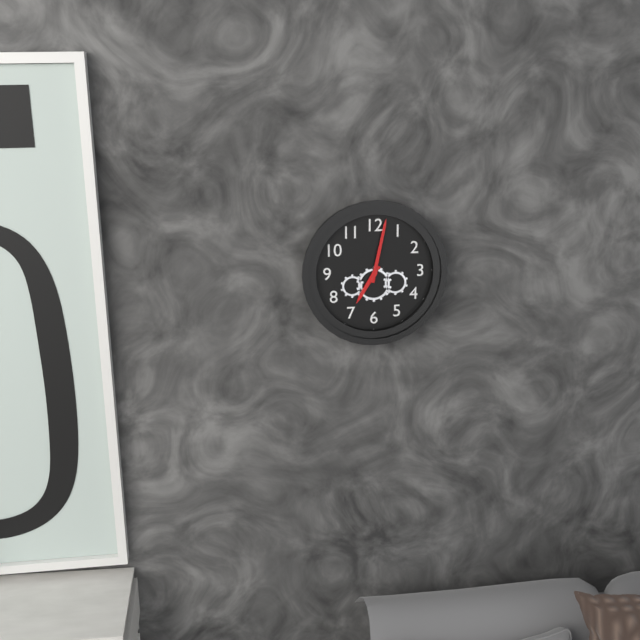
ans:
**7:02**
